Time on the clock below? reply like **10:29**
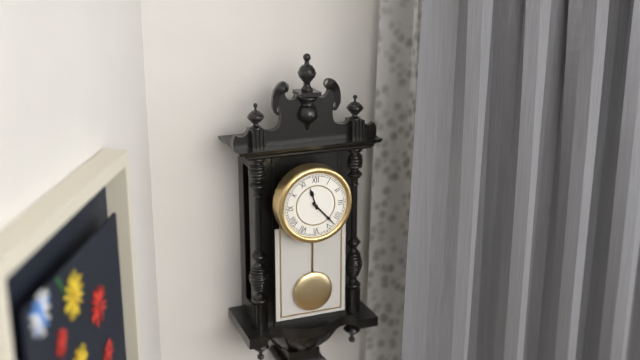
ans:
**11:23**
